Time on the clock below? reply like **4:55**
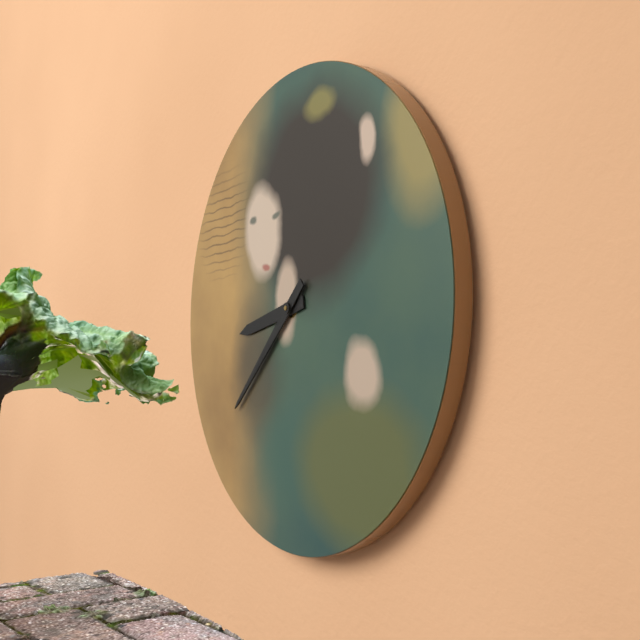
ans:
**8:38**
